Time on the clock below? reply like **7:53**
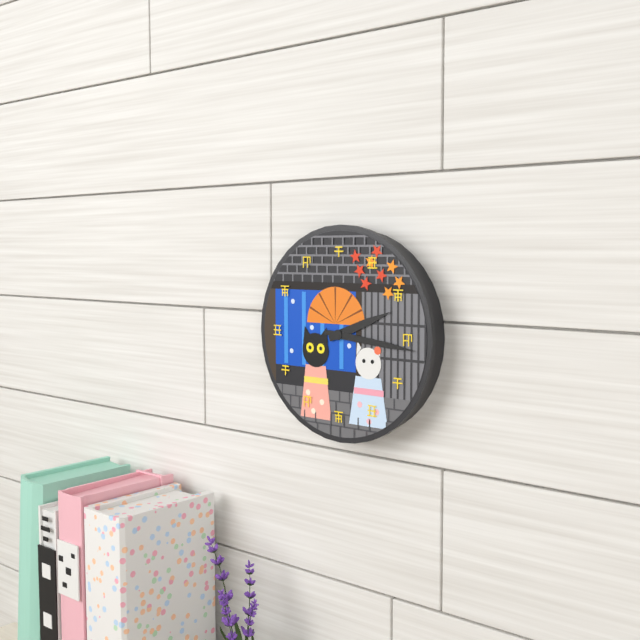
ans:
**2:16**
